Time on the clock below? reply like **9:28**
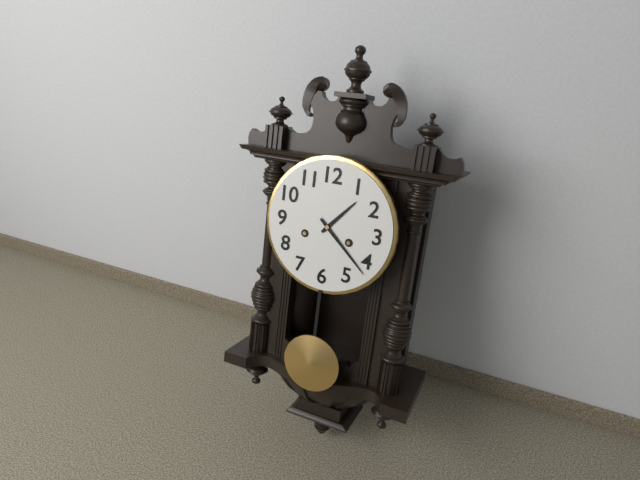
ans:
**1:22**
